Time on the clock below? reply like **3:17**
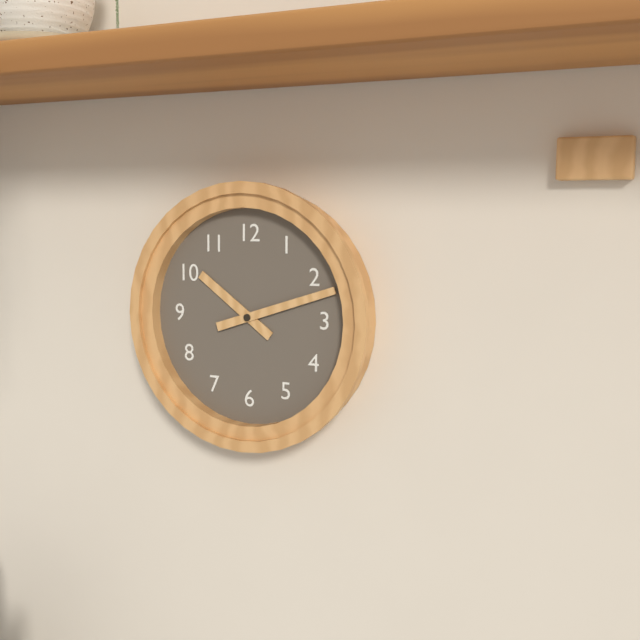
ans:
**10:12**
